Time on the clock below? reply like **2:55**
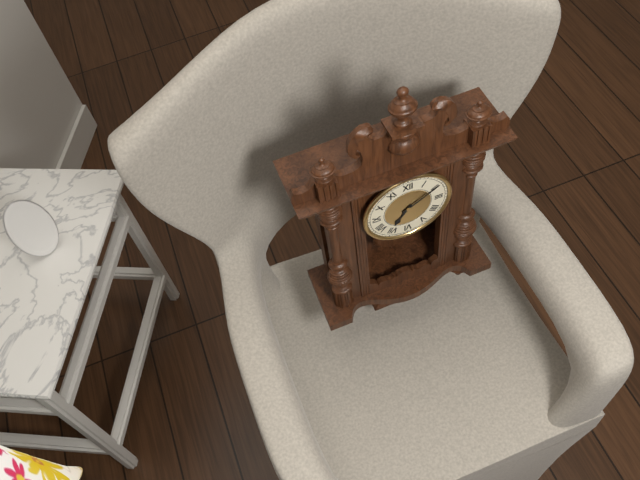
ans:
**7:10**
